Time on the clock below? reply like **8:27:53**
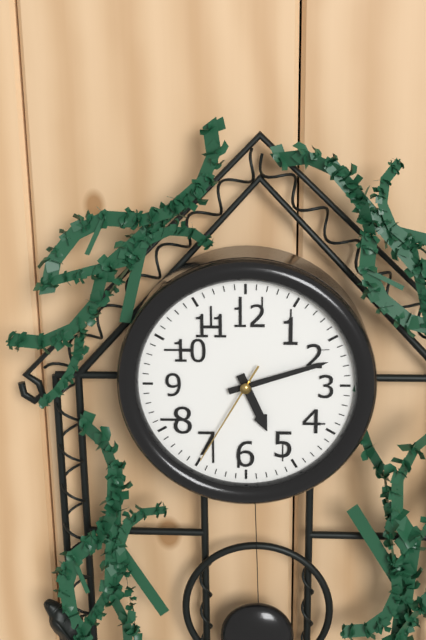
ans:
**5:12:35**
